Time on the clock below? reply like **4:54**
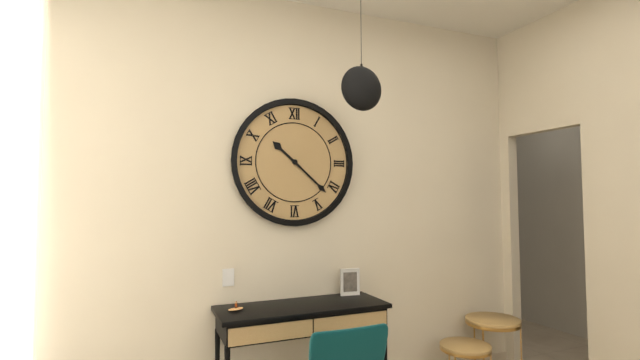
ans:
**10:22**
